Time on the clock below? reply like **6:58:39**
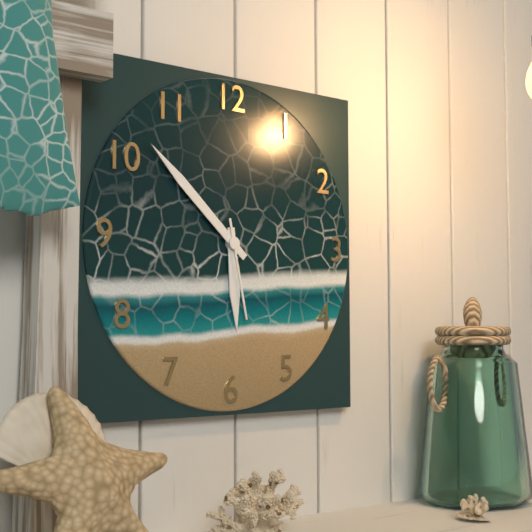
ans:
**5:52:28**
